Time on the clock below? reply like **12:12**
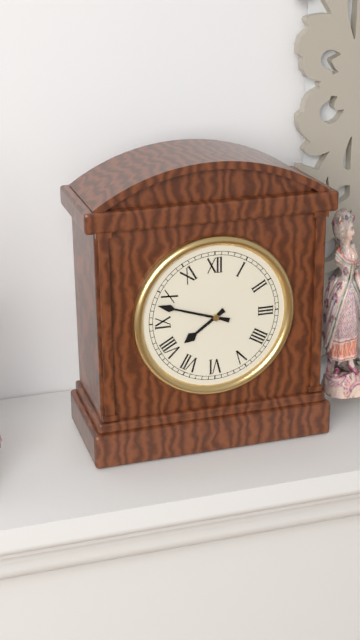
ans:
**7:48**
